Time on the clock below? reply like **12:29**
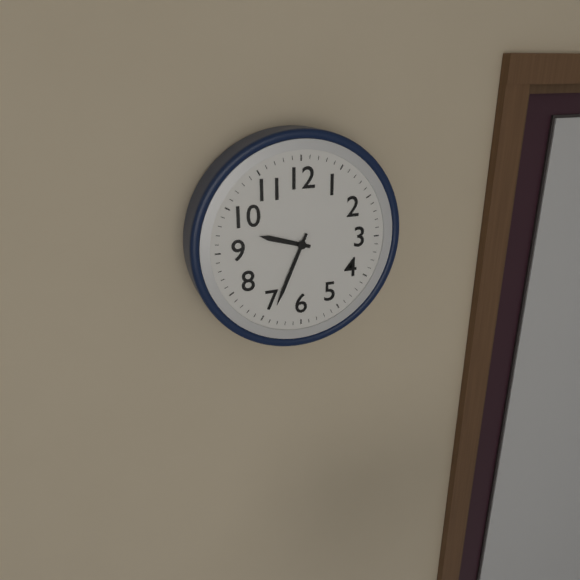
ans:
**9:34**
